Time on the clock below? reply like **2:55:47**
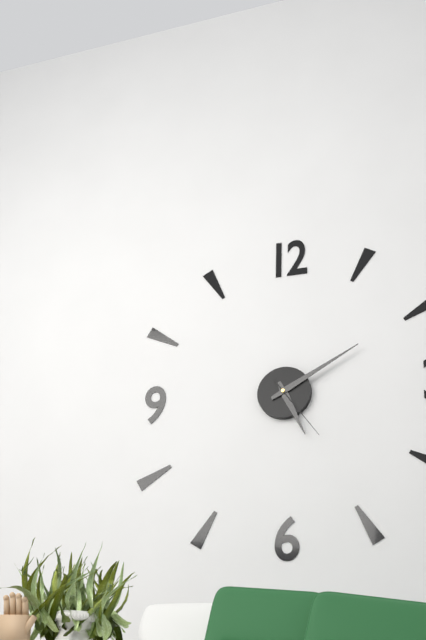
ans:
**5:10:24**
